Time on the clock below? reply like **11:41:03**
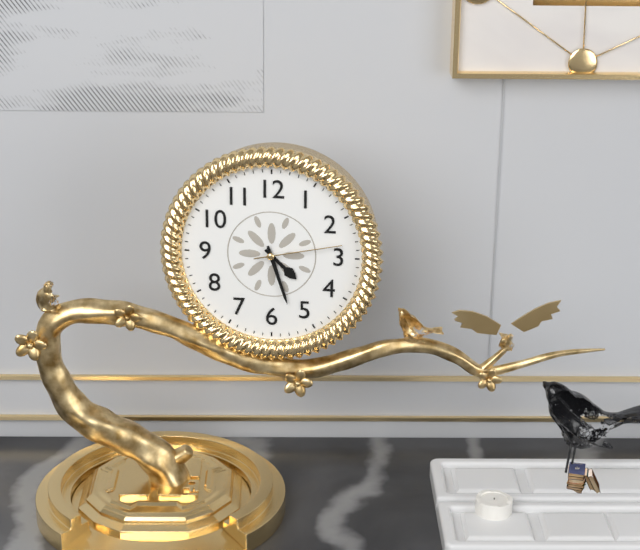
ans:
**4:27:13**
